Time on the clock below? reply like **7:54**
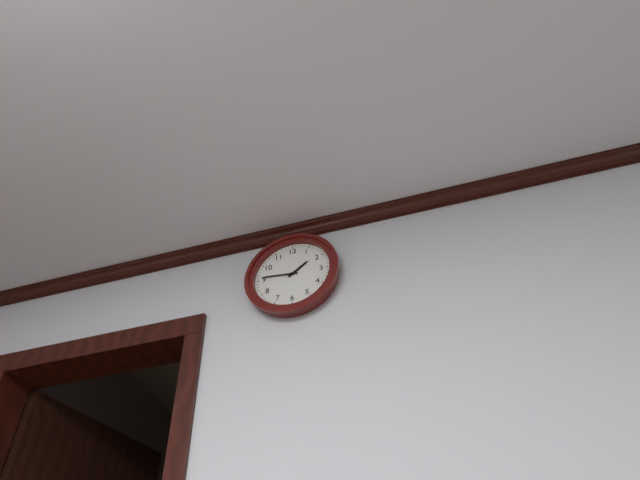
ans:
**1:46**
